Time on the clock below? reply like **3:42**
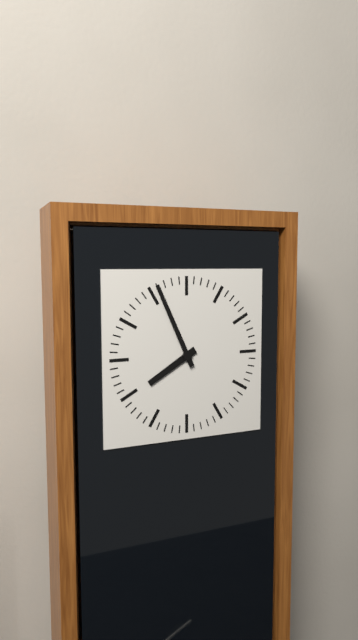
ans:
**7:56**
